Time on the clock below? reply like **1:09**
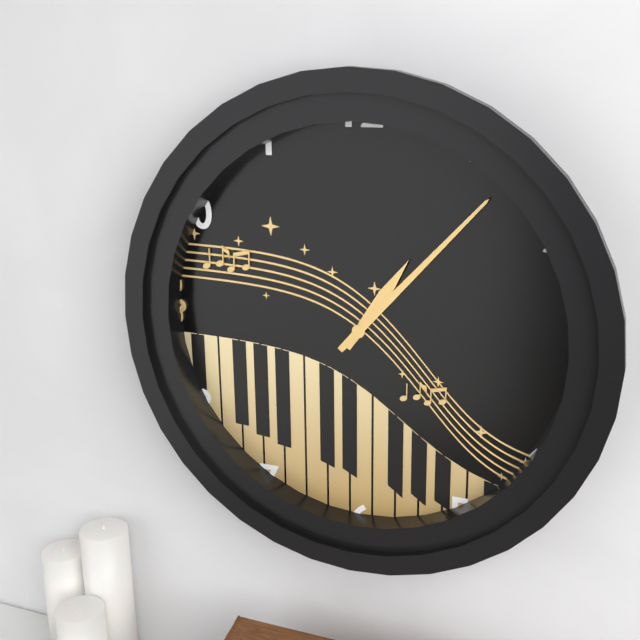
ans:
**1:07**
